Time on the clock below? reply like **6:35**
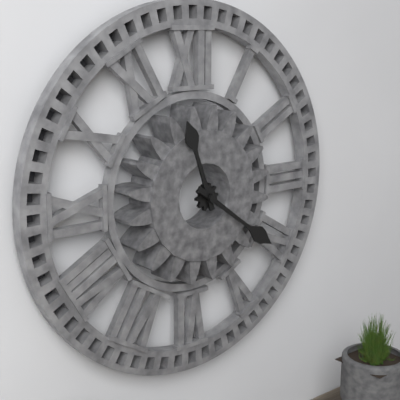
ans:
**11:21**
